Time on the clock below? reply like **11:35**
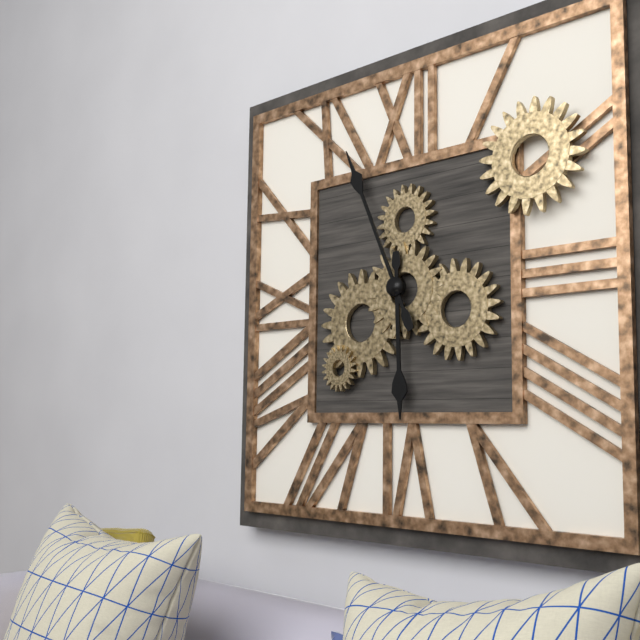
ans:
**5:56**
